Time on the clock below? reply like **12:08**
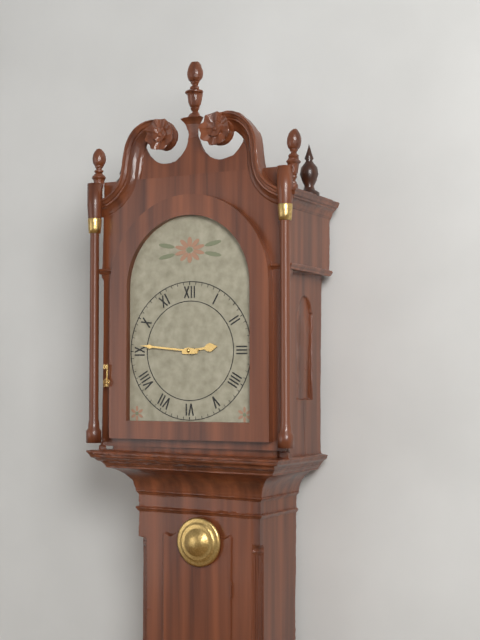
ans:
**2:46**
